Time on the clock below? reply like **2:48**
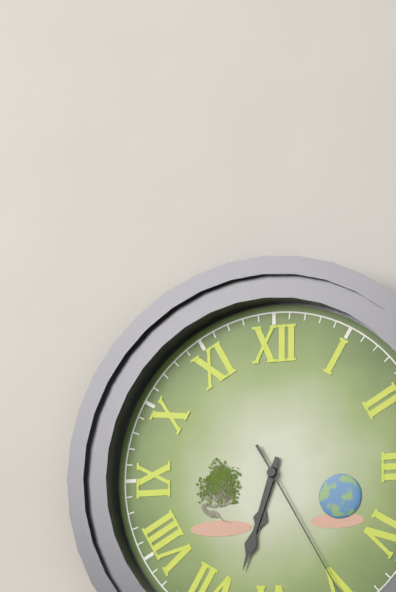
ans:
**6:33**
